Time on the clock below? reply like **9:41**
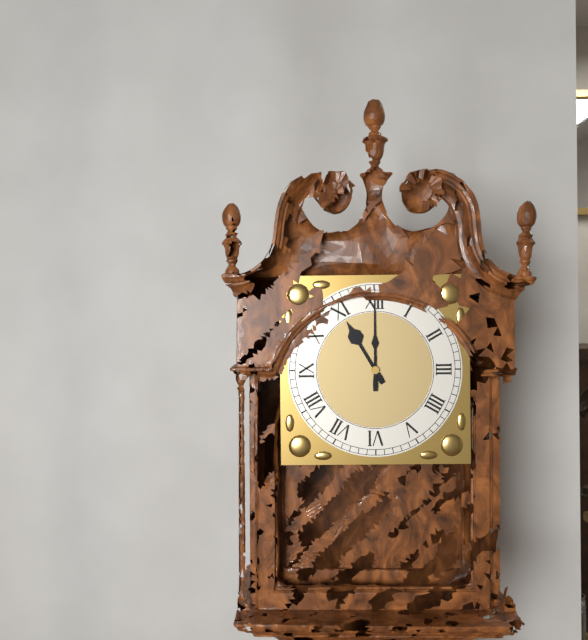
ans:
**11:00**
